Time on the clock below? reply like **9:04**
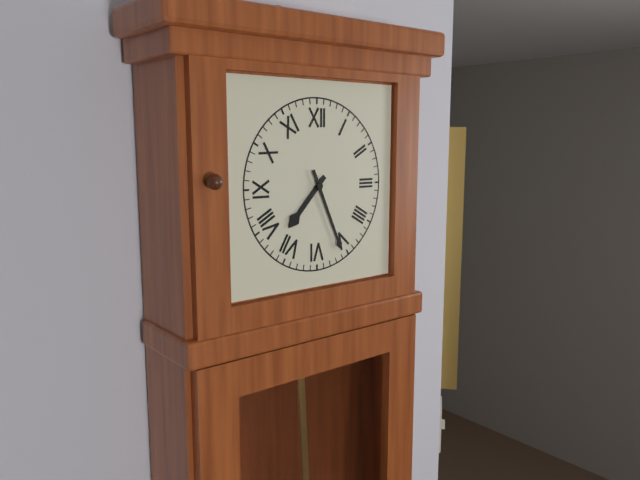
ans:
**7:26**
